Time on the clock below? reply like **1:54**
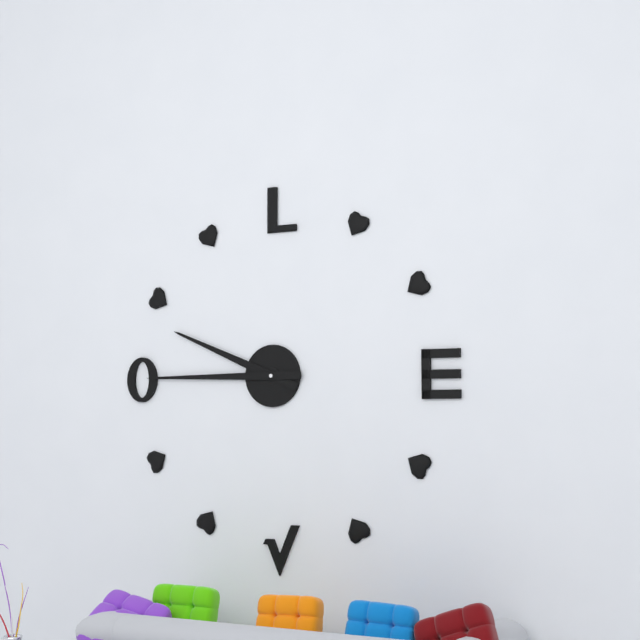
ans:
**9:45**
